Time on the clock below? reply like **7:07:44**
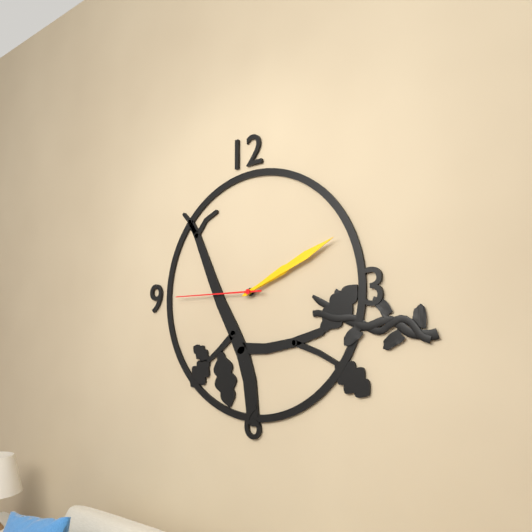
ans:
**2:11:45**
